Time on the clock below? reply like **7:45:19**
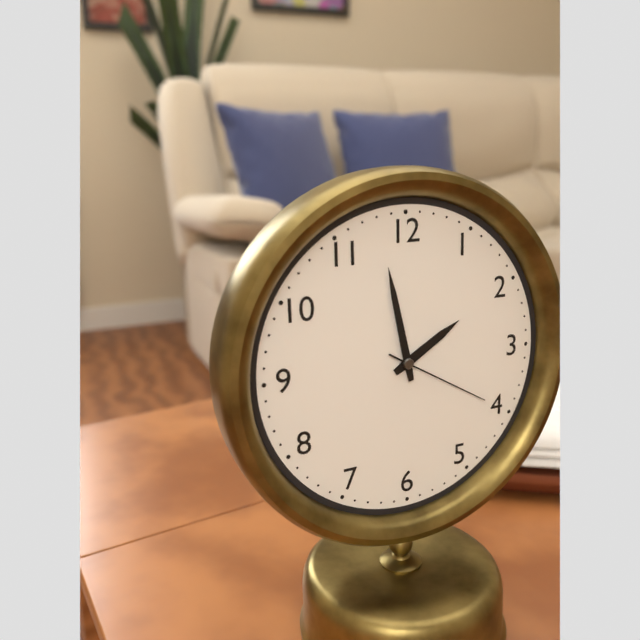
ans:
**1:58:20**
